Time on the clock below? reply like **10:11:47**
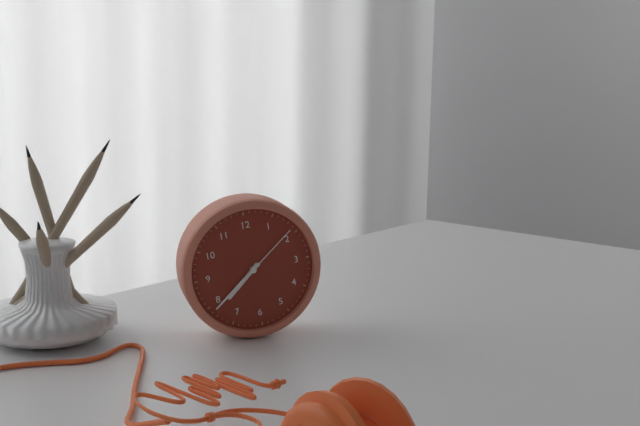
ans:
**7:39:09**
